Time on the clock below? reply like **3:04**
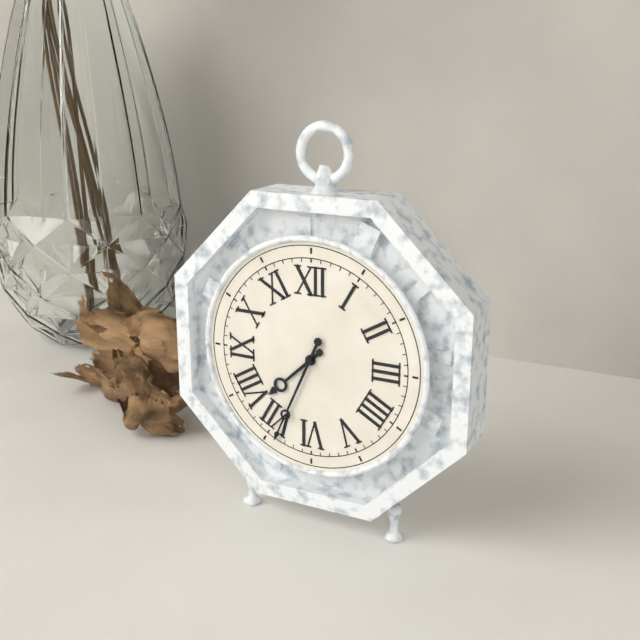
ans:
**7:34**
